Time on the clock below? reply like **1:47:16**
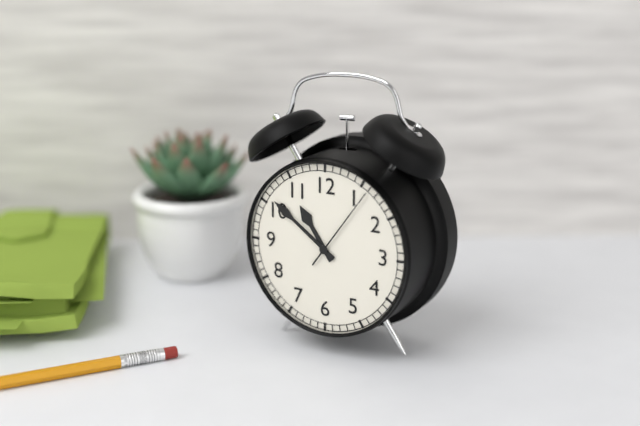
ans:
**10:51:06**
